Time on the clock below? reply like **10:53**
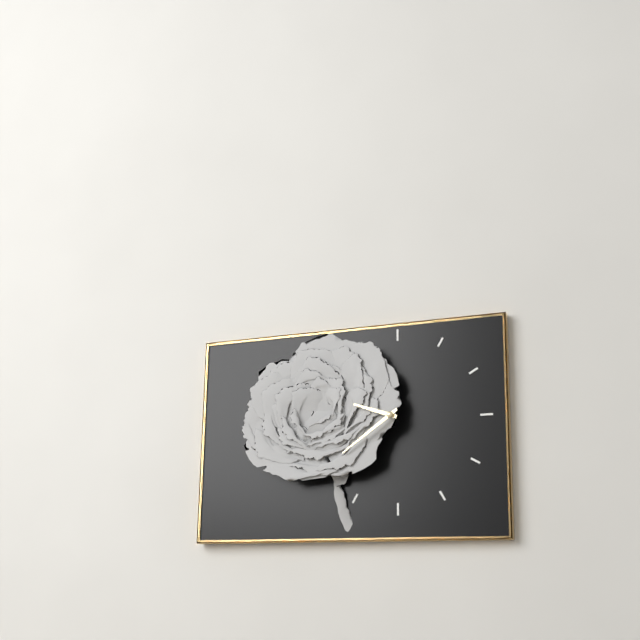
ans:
**9:39**
